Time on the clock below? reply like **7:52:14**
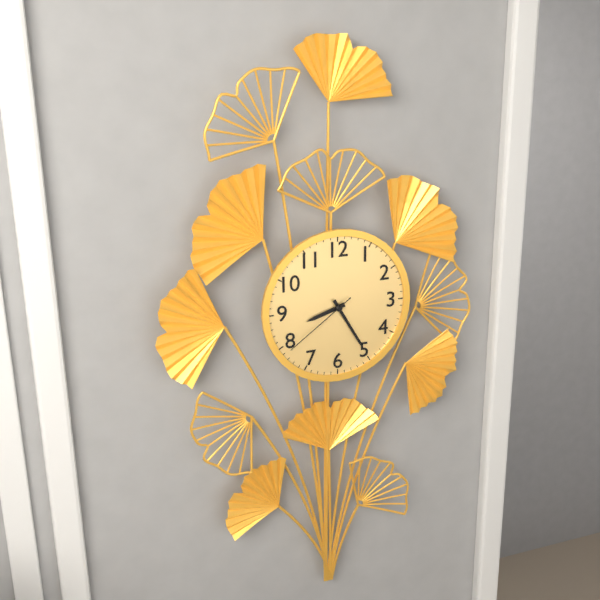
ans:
**8:25:39**
